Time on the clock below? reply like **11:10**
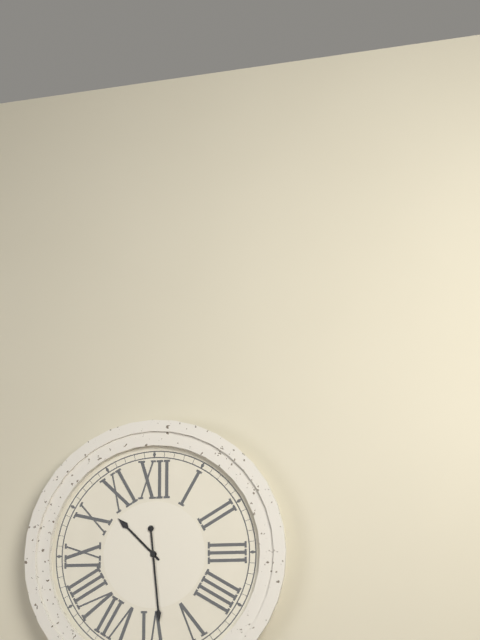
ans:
**10:29**
